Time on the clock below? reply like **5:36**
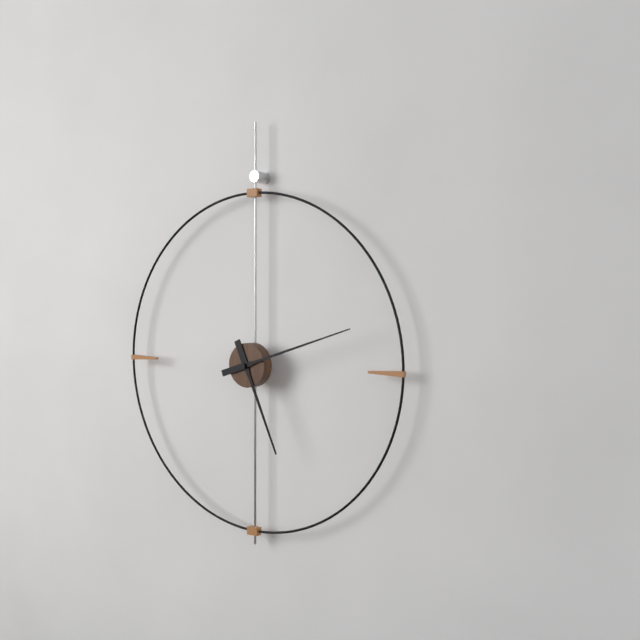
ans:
**5:12**
